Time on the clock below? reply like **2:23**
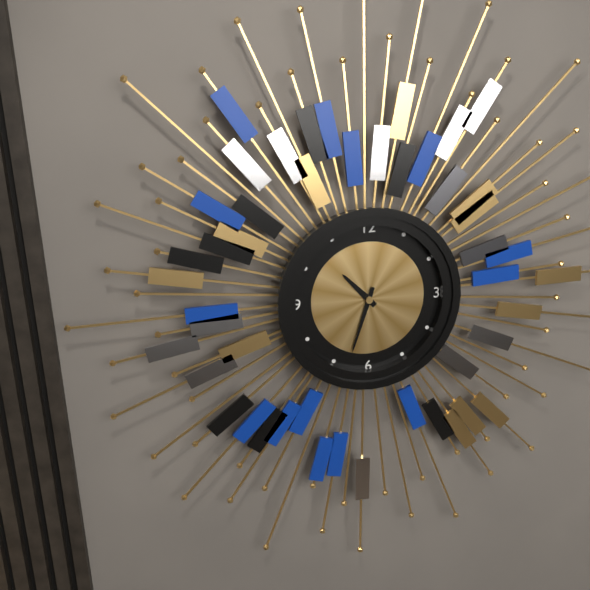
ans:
**10:33**
